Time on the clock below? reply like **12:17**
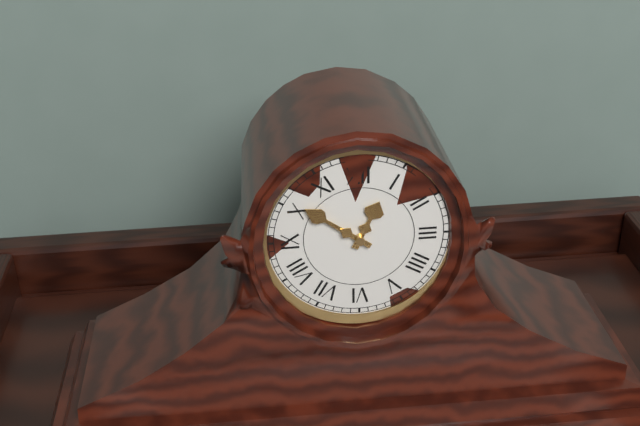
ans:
**12:51**
